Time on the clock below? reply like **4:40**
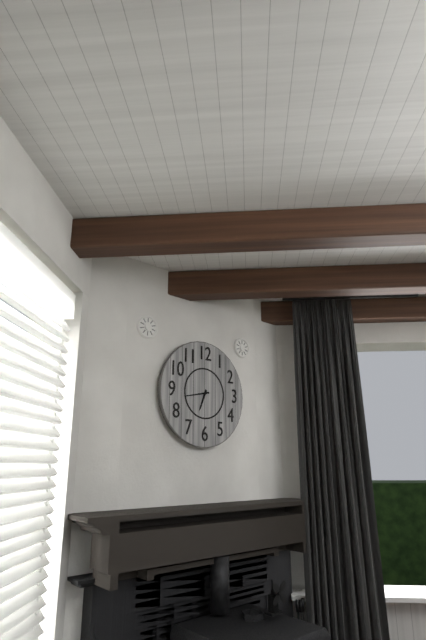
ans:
**6:43**
